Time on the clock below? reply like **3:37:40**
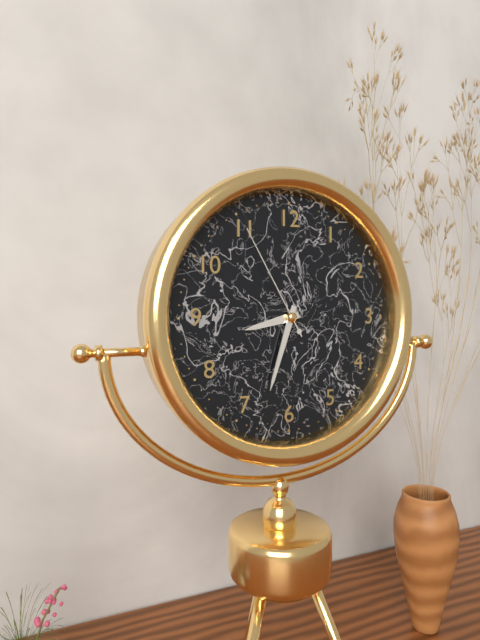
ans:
**8:33:55**
